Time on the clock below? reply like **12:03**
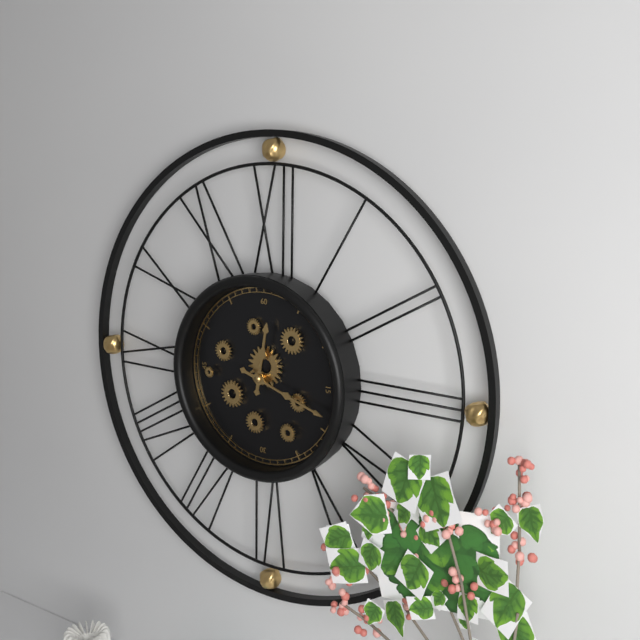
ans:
**12:18**
